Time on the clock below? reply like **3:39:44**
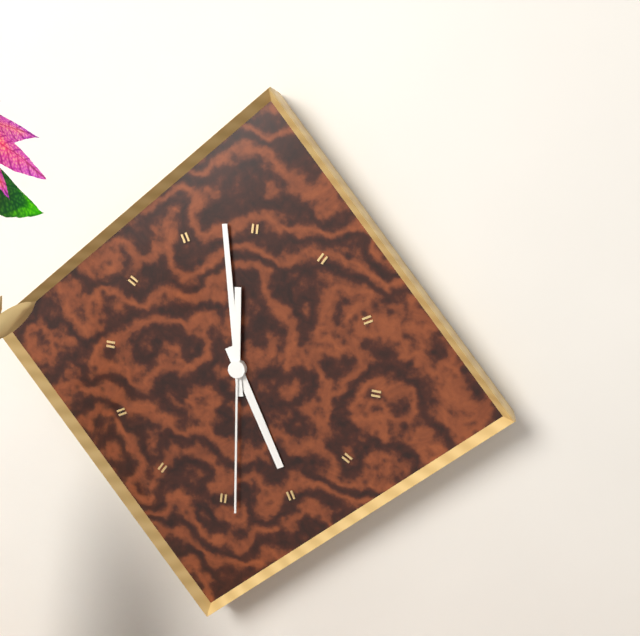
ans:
**4:58:29**
